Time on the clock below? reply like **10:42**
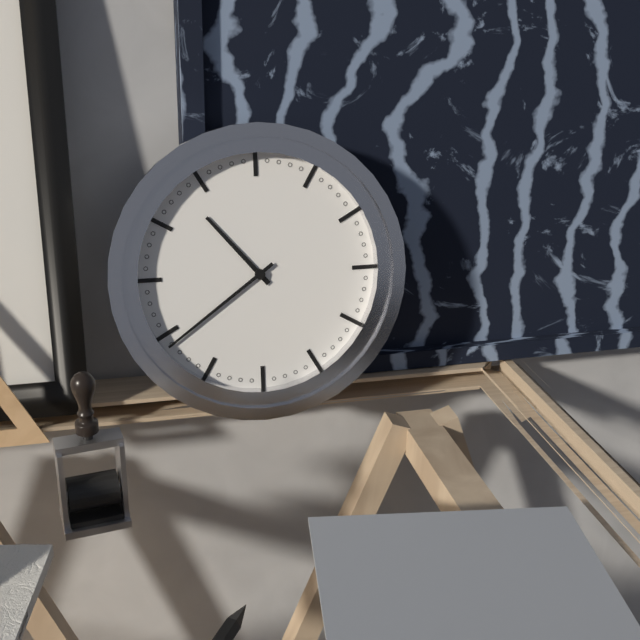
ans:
**10:39**
